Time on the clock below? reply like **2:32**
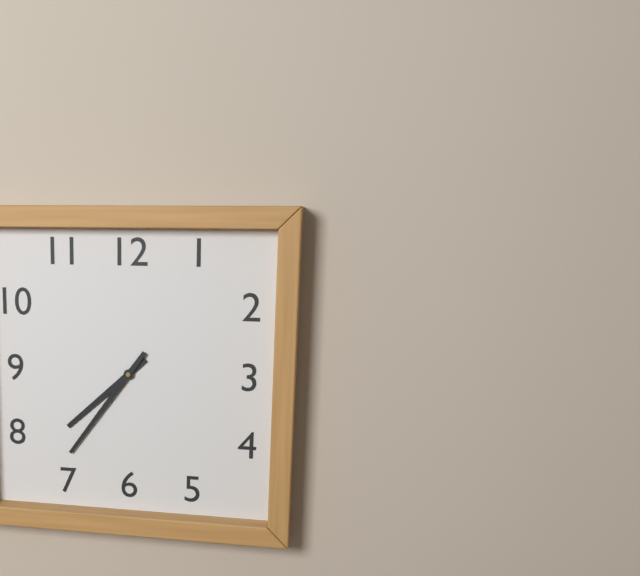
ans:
**7:36**
